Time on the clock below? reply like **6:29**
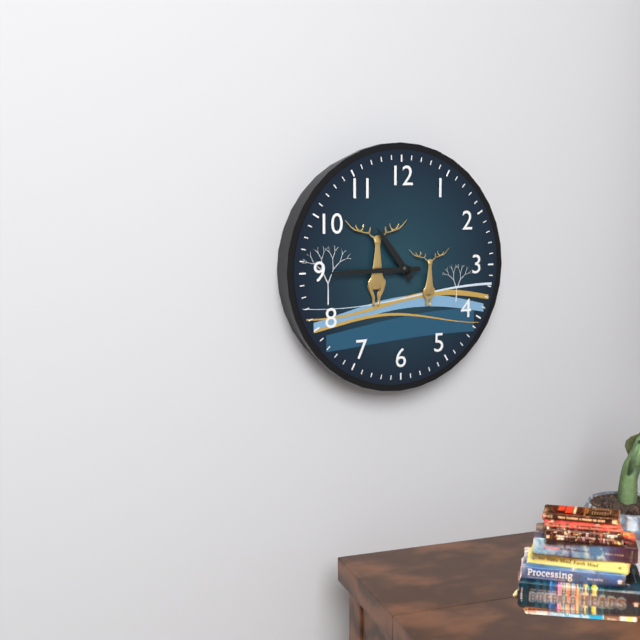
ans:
**10:45**
